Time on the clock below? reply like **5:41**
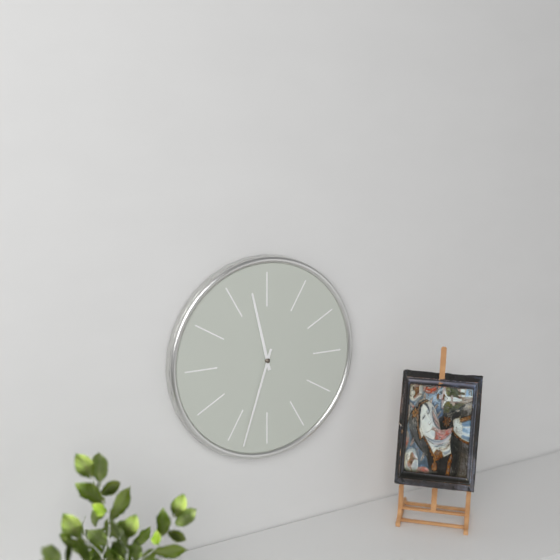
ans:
**11:33**
